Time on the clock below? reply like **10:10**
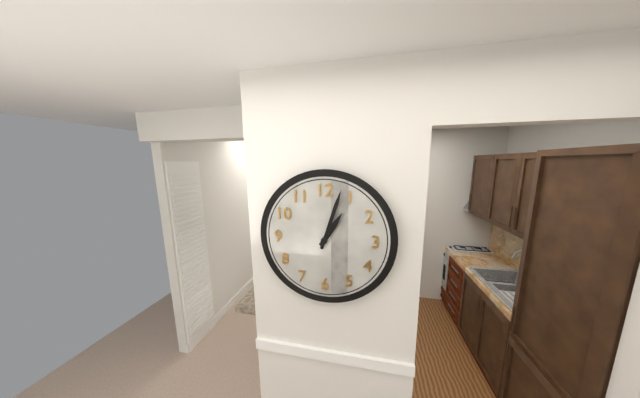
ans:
**1:03**
